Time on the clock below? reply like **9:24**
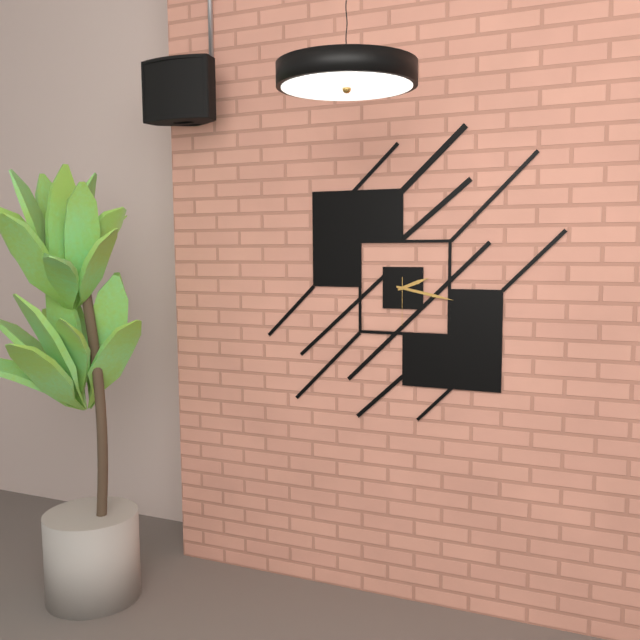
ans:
**2:17**
